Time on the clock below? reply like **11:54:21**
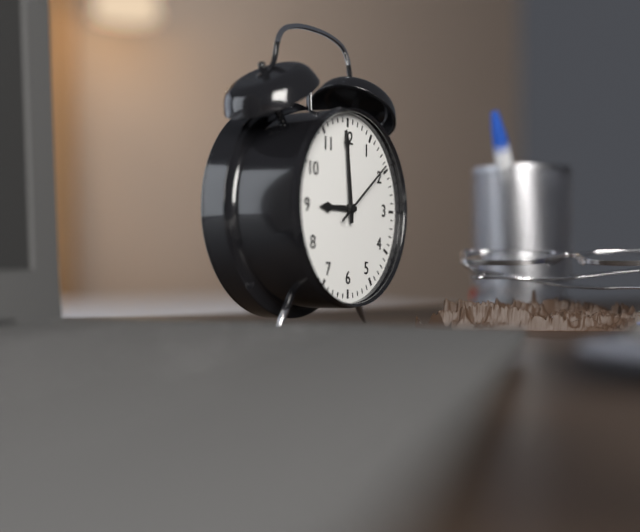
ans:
**8:59:09**
